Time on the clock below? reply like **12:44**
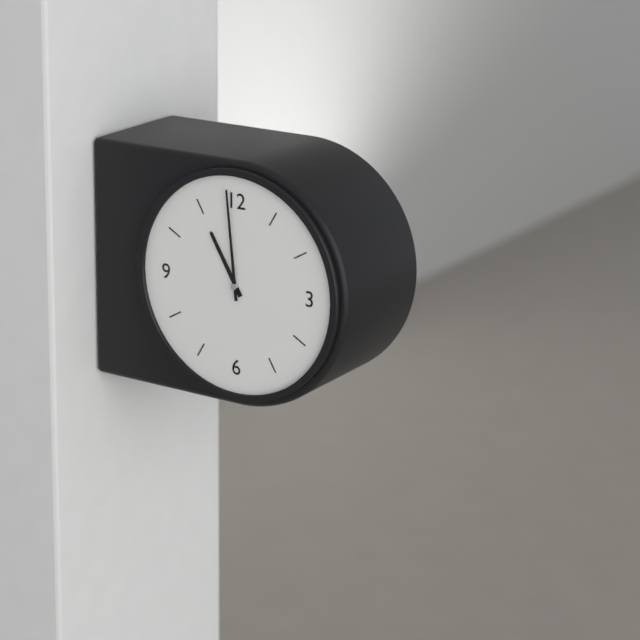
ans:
**10:59**
